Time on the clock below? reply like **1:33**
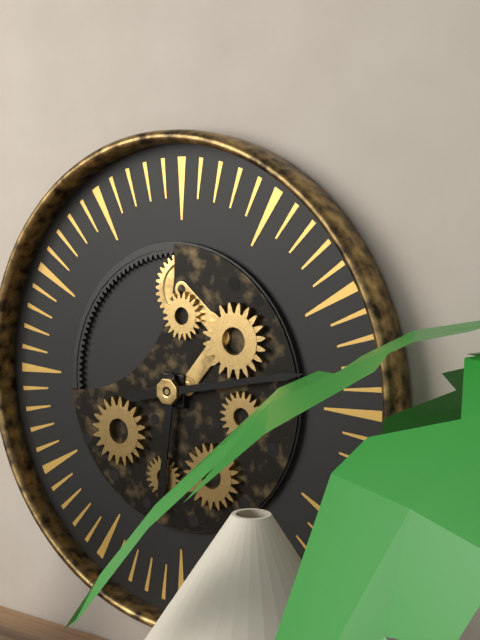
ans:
**6:13**
